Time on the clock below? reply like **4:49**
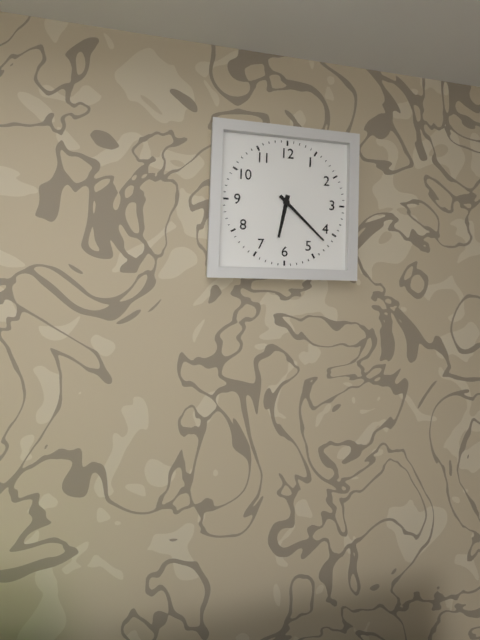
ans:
**6:22**
